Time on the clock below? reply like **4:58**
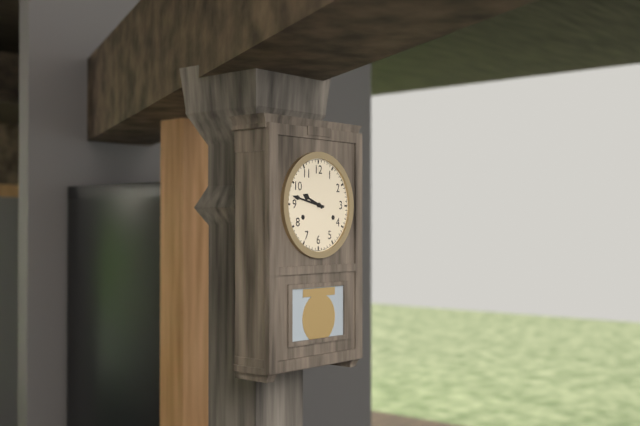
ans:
**9:47**
